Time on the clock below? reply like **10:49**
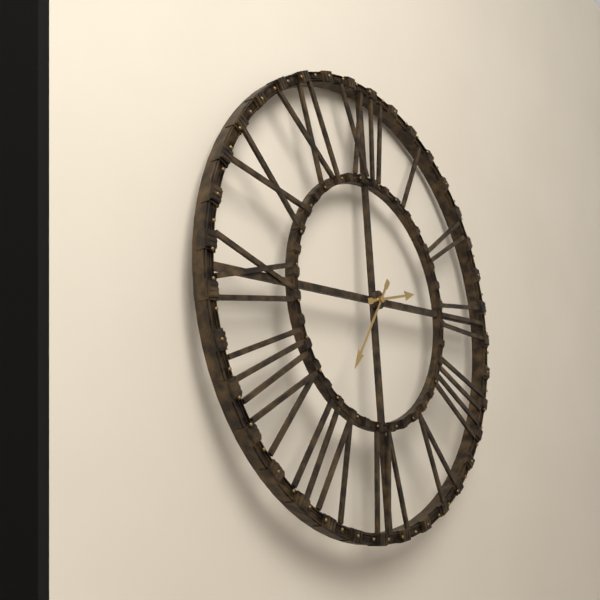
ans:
**2:36**
